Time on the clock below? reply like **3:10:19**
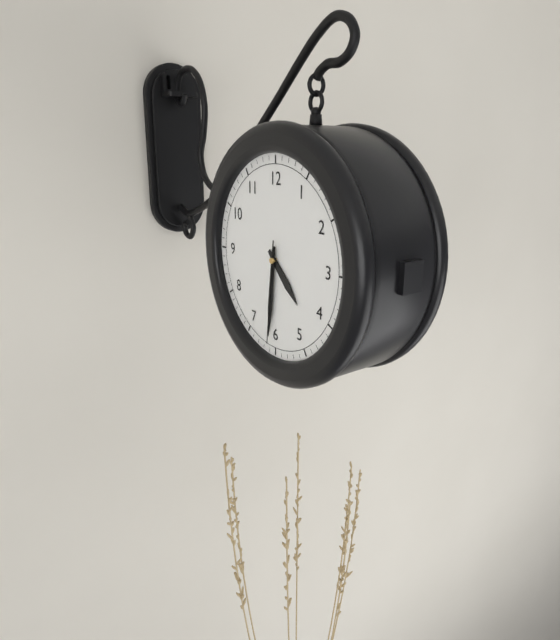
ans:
**4:31:31**
